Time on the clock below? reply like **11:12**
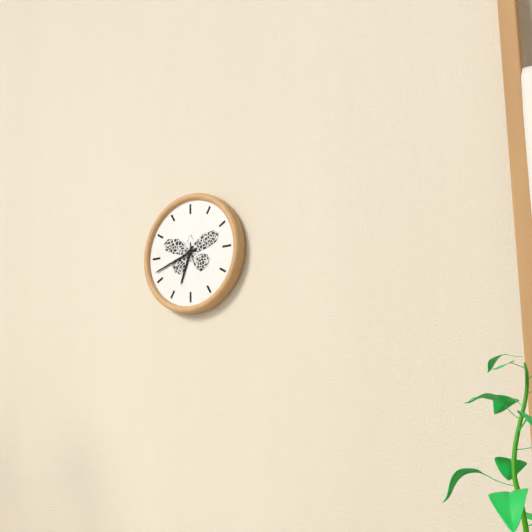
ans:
**6:42**
